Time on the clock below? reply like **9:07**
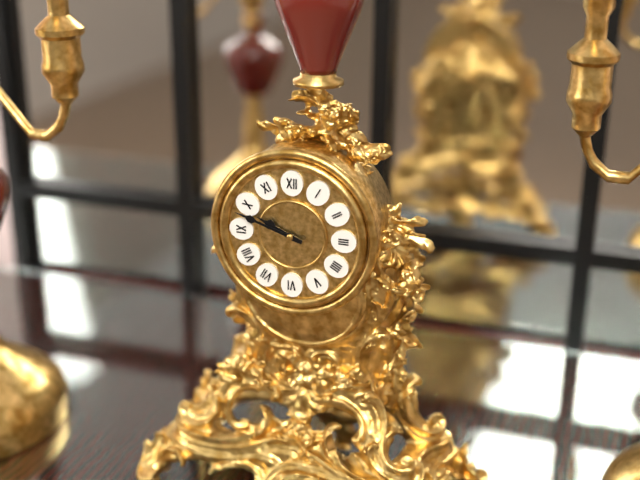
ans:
**9:48**
